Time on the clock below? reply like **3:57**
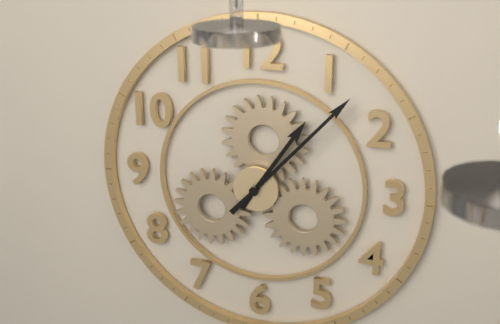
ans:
**1:07**
